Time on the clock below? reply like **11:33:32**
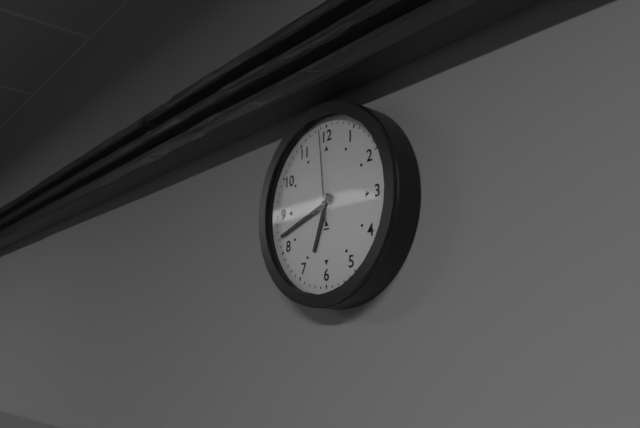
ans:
**6:42:59**
